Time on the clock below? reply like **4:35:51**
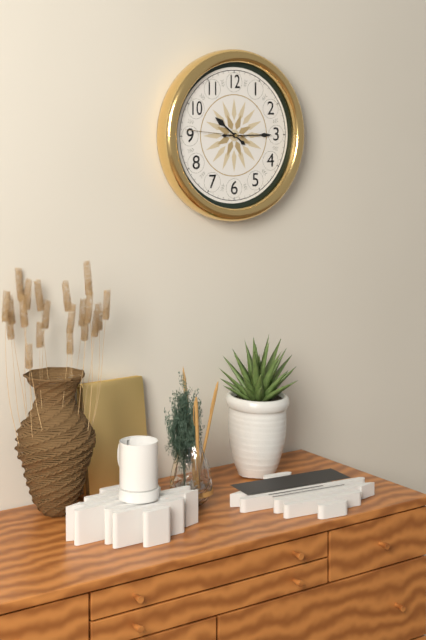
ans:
**10:15:46**
